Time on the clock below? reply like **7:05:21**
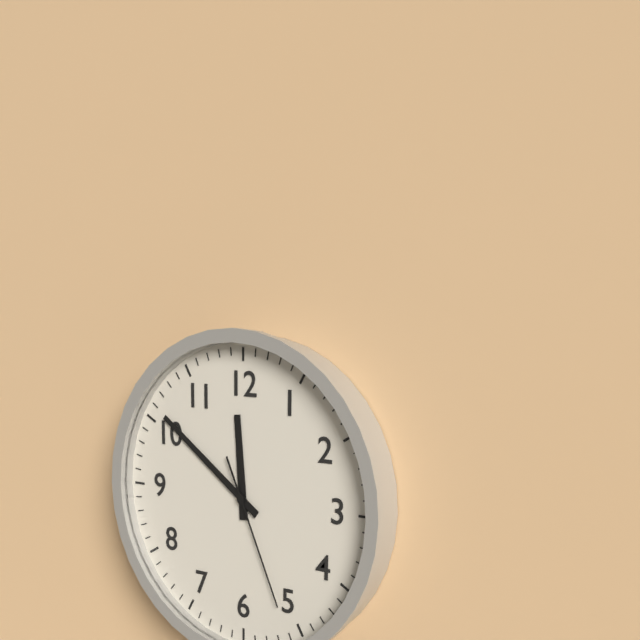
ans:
**11:51:26**
